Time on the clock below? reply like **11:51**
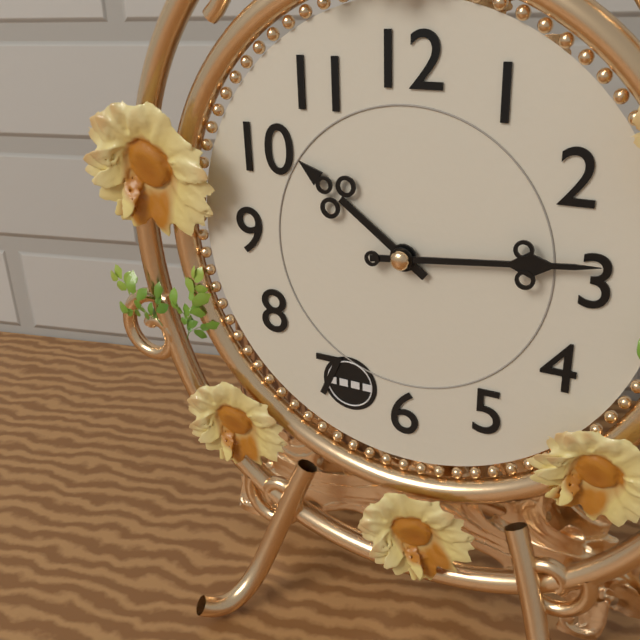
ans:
**10:14**
